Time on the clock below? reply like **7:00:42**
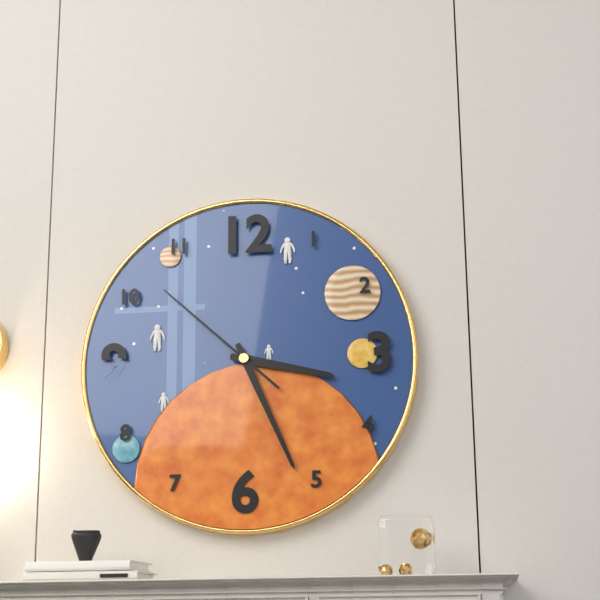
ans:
**3:26:52**
